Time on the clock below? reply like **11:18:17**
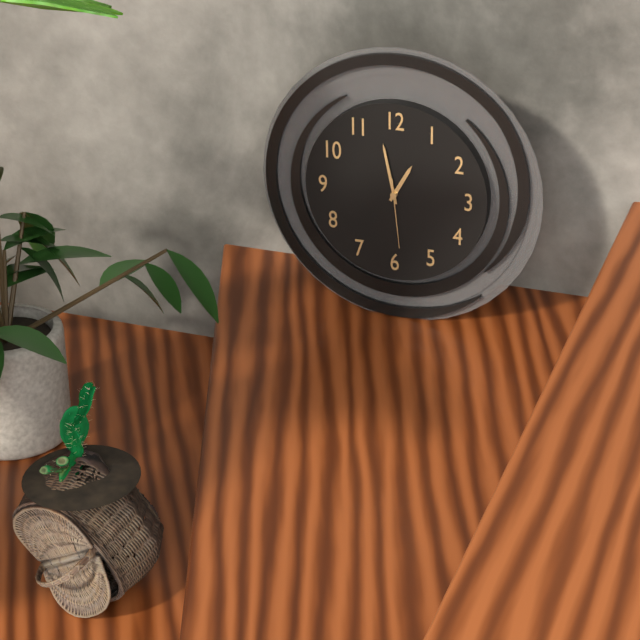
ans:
**12:58:29**
